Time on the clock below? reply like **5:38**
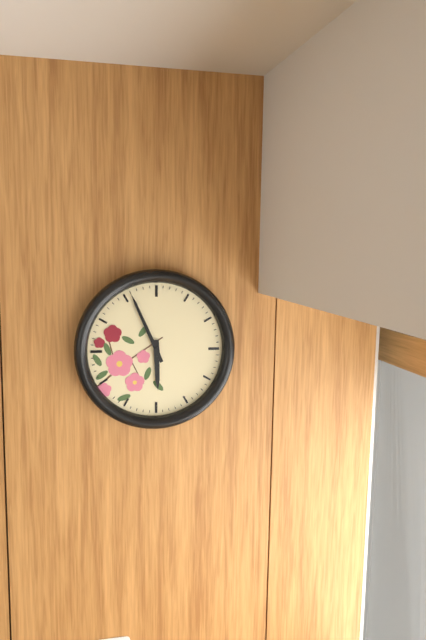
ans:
**5:56**
